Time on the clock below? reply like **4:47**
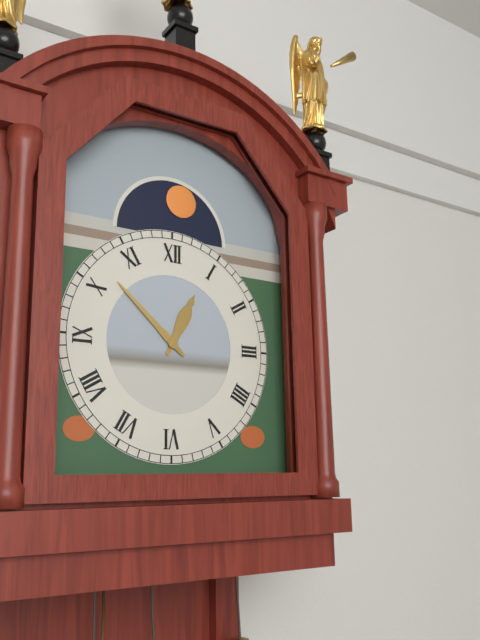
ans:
**12:52**
